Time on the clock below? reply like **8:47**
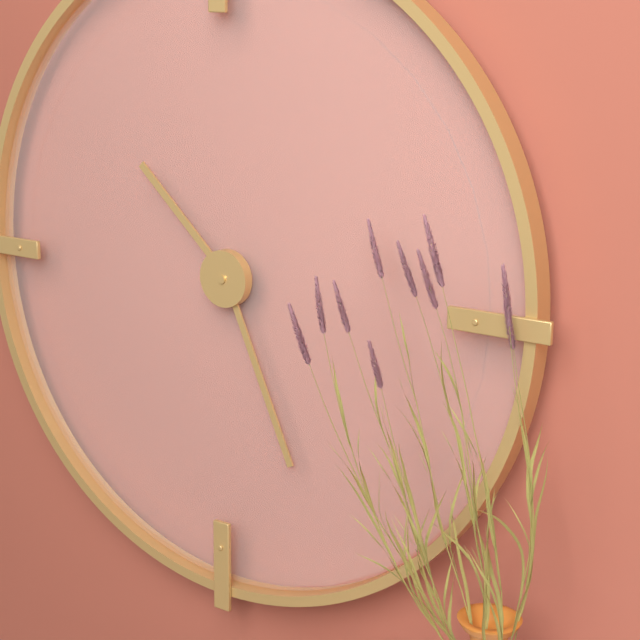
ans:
**10:26**
